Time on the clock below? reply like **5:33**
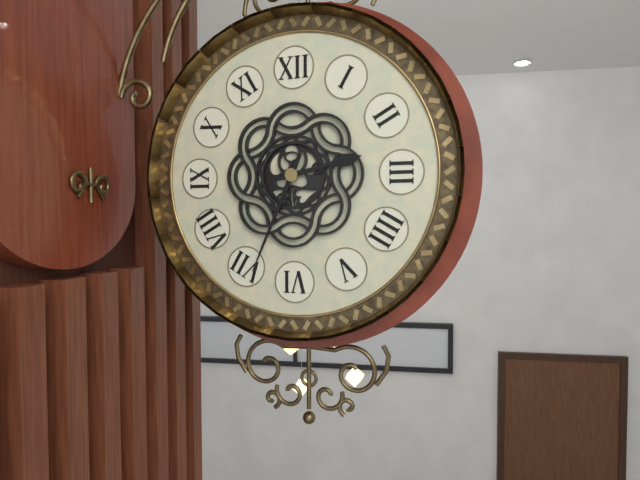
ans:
**2:34**
